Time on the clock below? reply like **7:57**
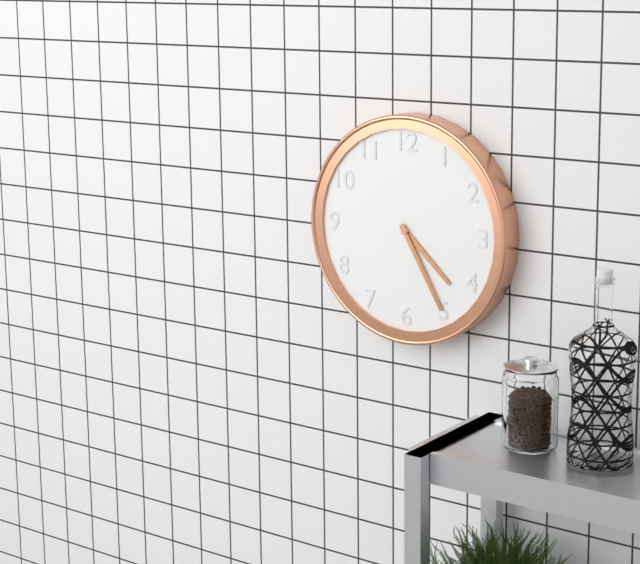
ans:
**4:25**
